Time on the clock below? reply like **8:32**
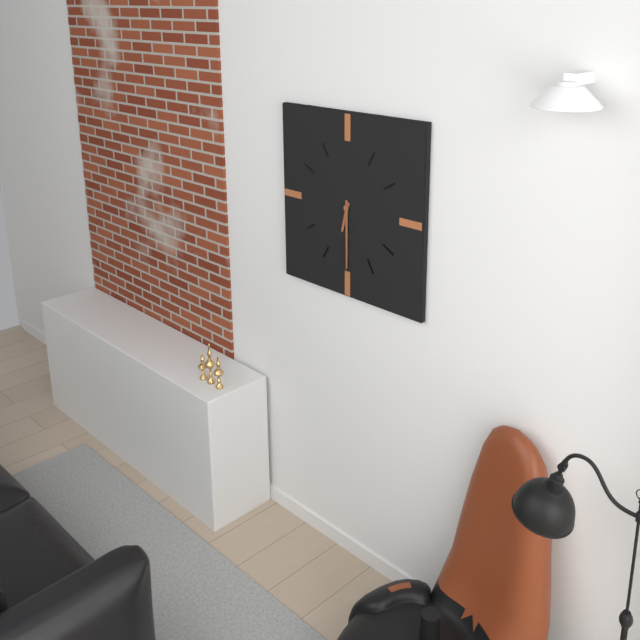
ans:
**6:30**
